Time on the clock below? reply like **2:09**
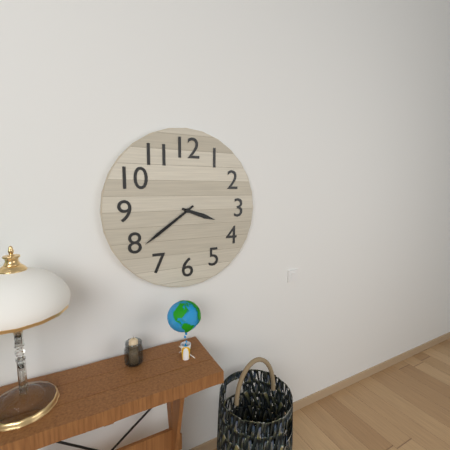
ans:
**3:39**
